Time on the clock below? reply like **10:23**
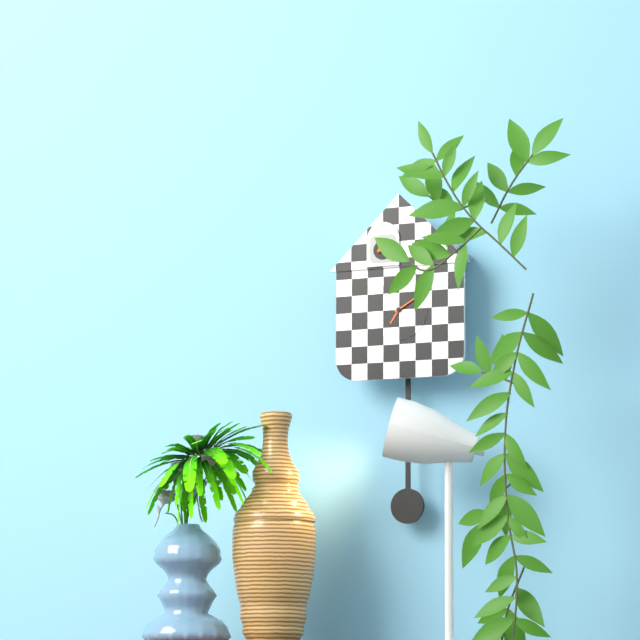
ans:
**7:10**
